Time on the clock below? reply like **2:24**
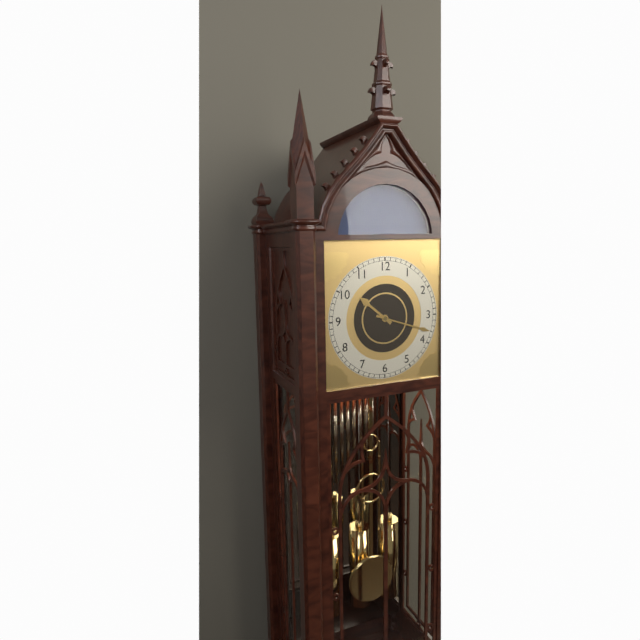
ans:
**10:18**
